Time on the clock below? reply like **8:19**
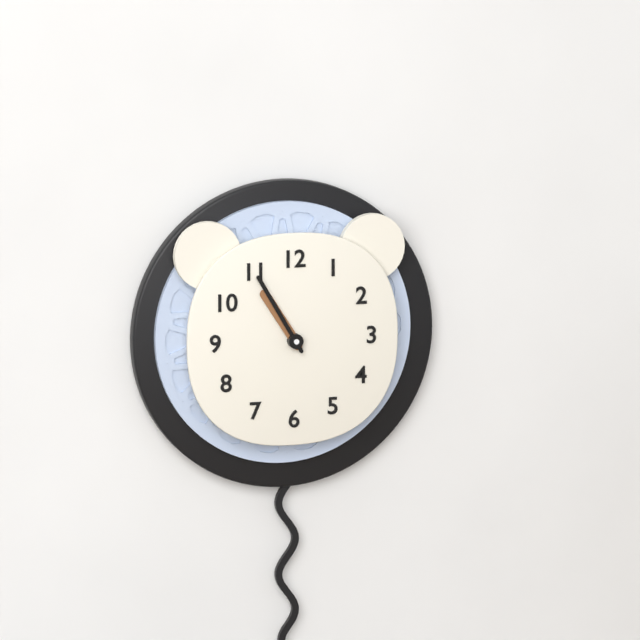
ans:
**10:55**
